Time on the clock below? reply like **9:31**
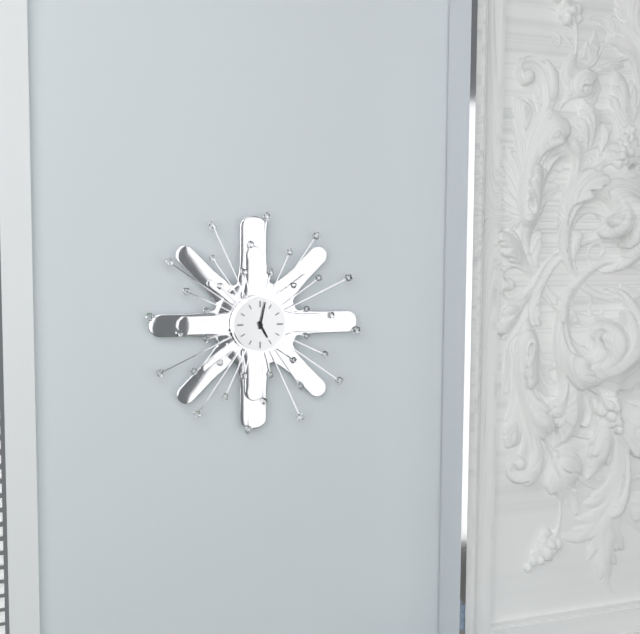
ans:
**5:02**
